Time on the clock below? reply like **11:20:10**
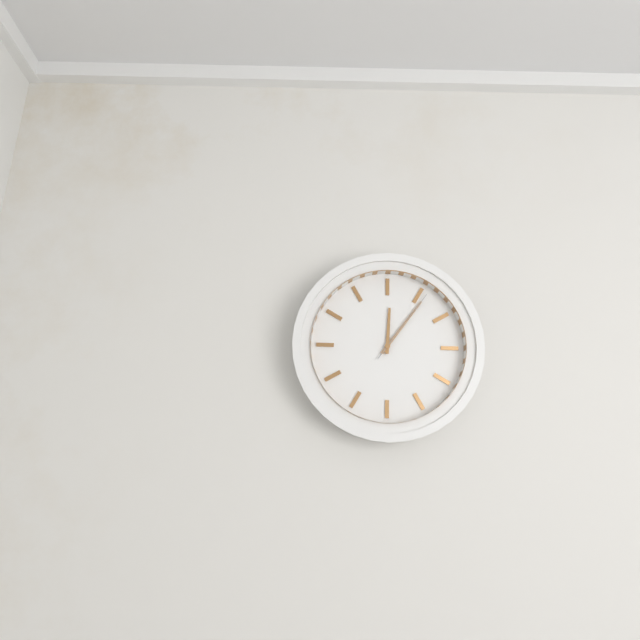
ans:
**12:06:06**
